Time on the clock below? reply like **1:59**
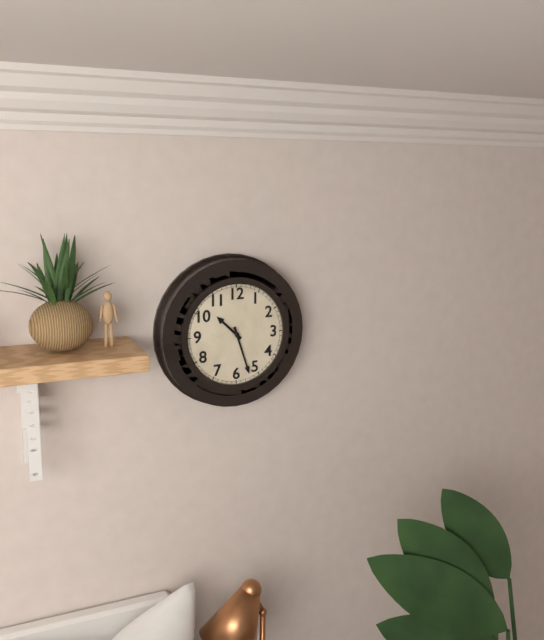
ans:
**10:27**
